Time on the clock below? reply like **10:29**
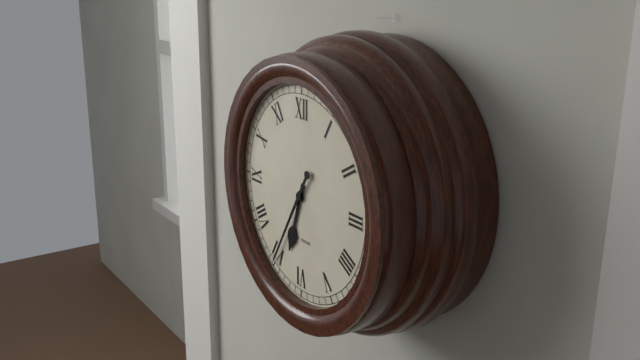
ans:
**6:35**
